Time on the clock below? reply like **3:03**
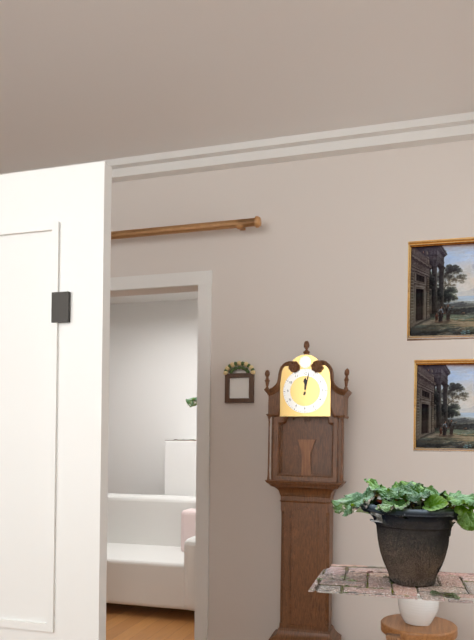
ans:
**12:02**
